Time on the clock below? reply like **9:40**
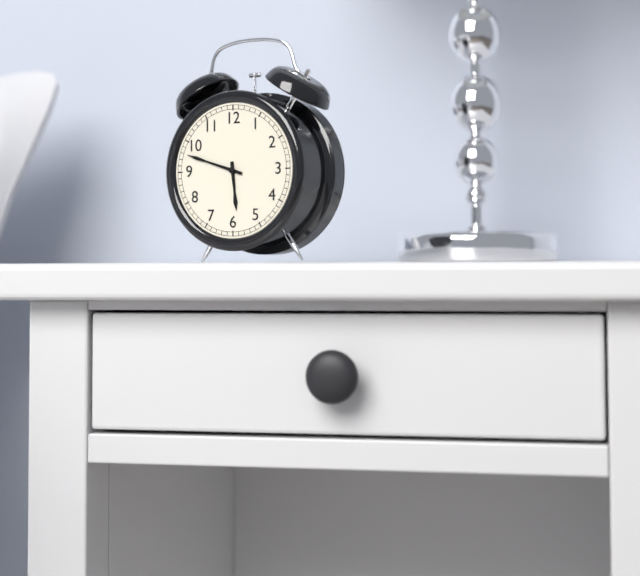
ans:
**5:48**
